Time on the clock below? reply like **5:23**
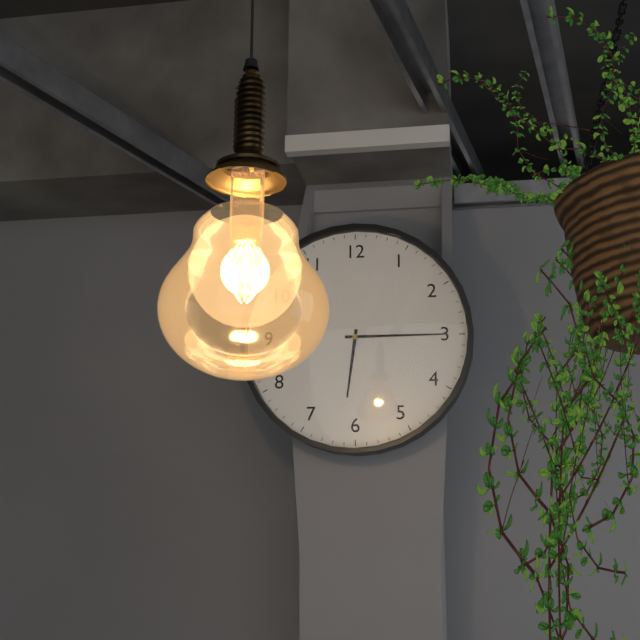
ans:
**6:15**
